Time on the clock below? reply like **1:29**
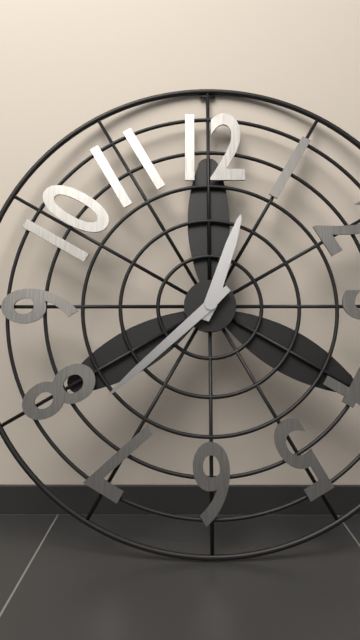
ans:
**12:38**
